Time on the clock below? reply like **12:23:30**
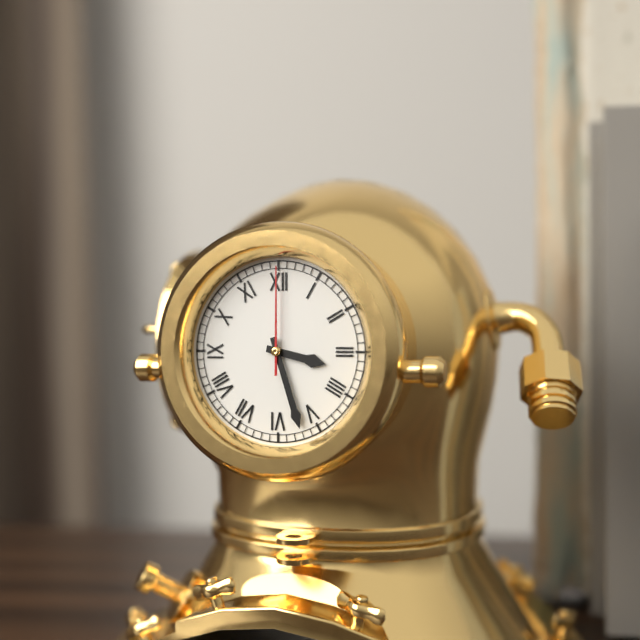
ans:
**3:27:00**
